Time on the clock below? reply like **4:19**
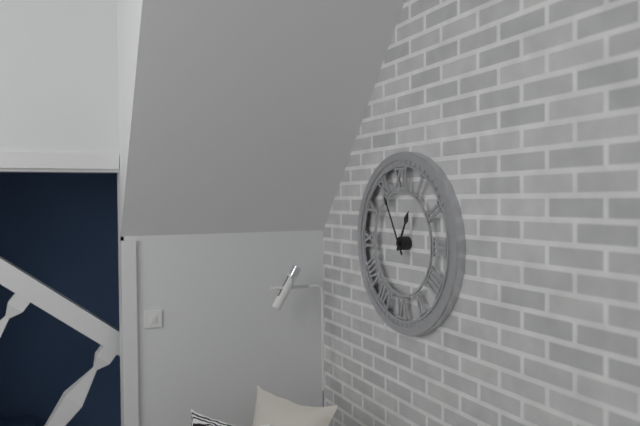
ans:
**12:55**
